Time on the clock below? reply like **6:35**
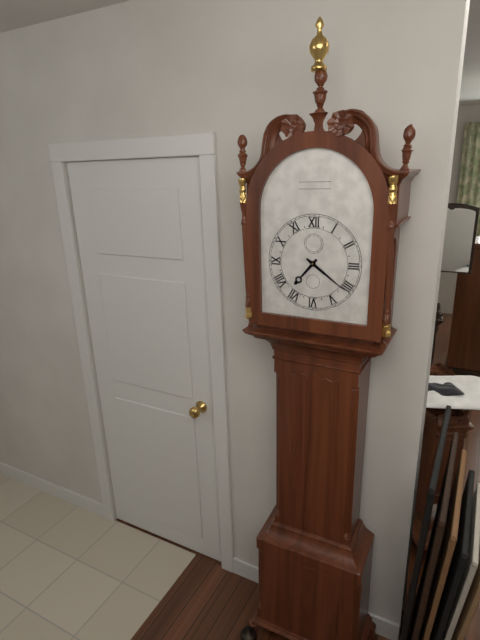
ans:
**7:21**
